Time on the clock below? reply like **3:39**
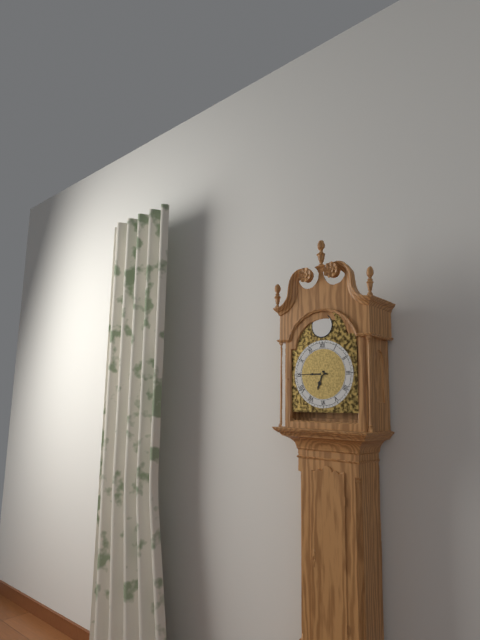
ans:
**6:45**
